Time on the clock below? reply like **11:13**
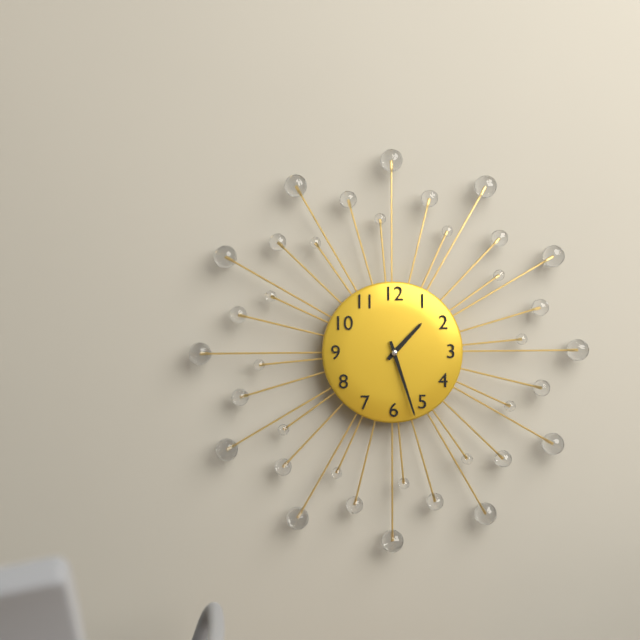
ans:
**1:27**
